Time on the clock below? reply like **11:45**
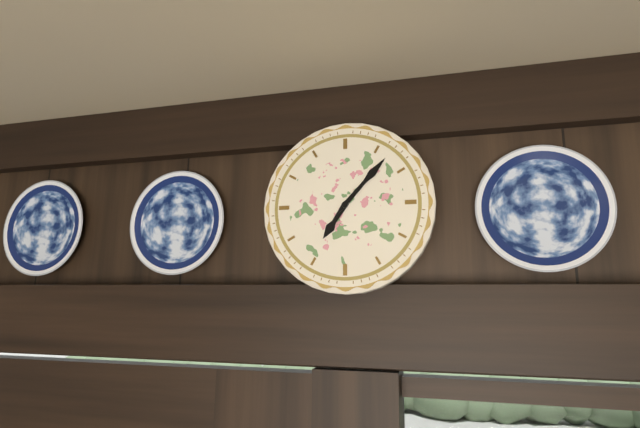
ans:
**7:07**
